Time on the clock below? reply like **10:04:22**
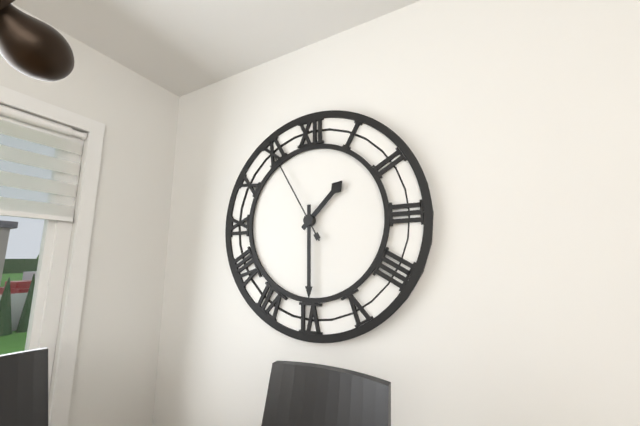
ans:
**1:30:55**
